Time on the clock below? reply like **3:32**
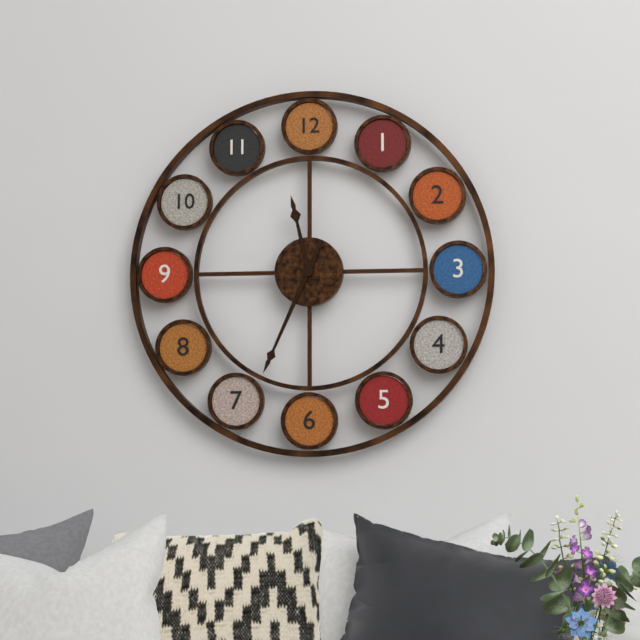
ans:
**11:34**
